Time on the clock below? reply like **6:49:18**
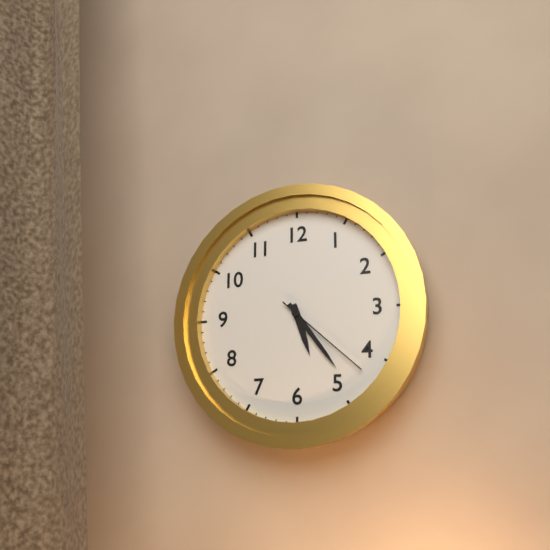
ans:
**5:24:22**
